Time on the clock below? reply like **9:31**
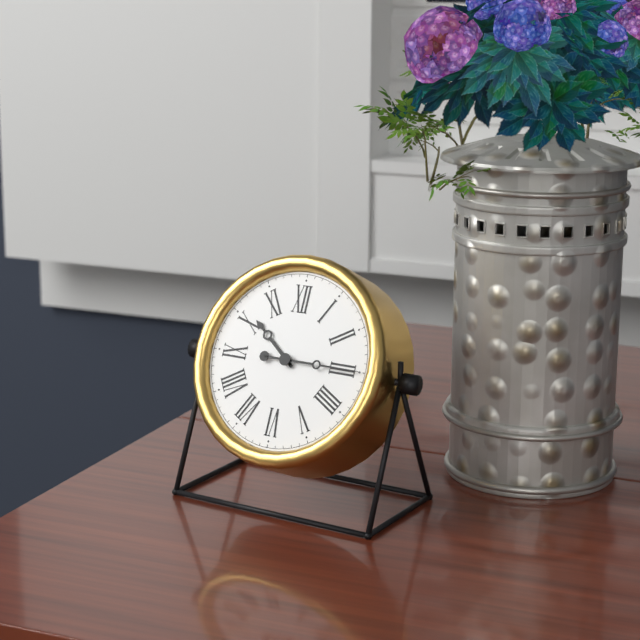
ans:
**10:15**
